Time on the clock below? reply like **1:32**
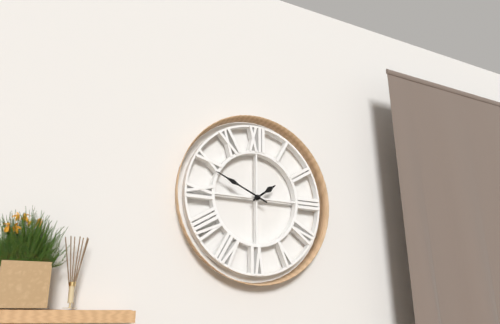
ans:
**1:49**
